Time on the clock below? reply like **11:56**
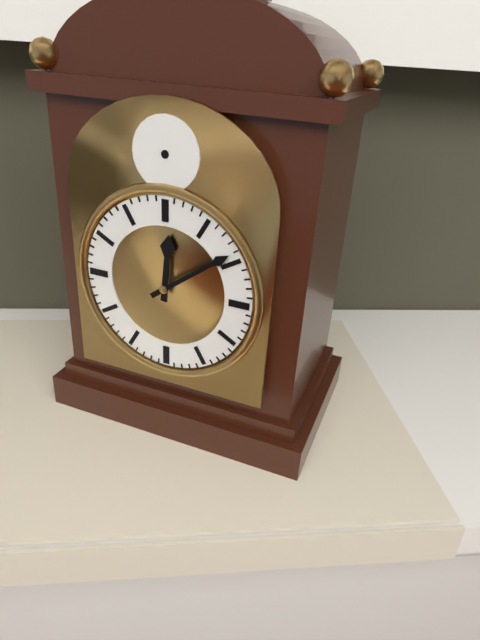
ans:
**12:09**
